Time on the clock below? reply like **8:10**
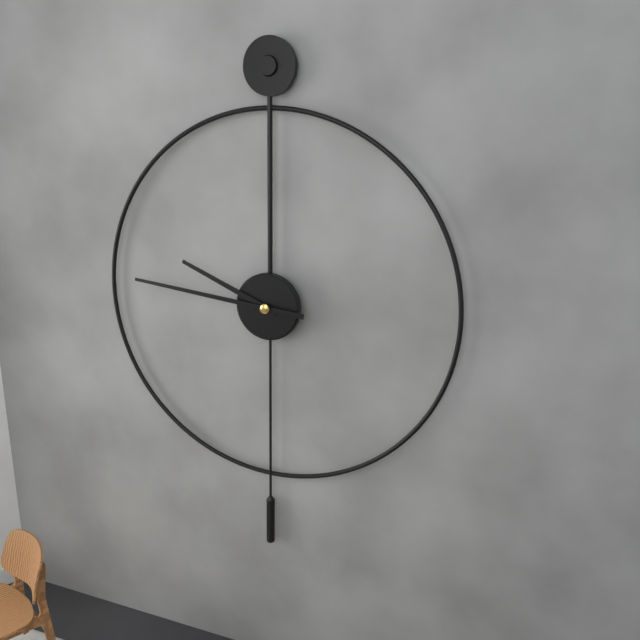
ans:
**9:46**
